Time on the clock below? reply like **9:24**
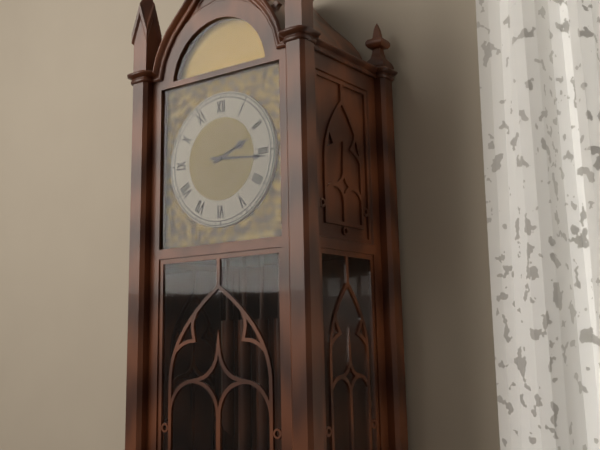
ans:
**2:16**
